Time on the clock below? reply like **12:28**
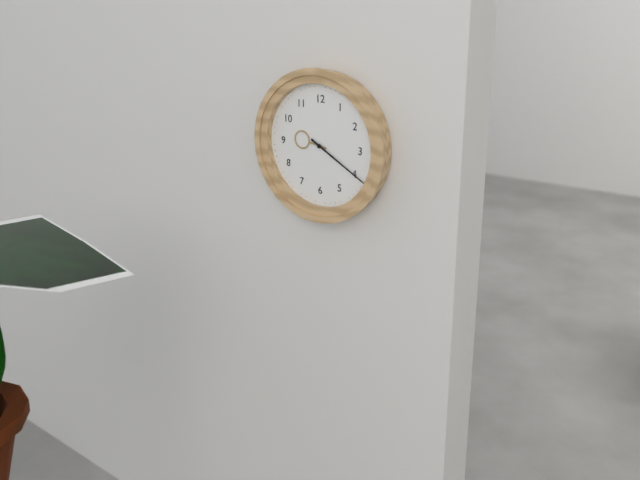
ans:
**9:20**
